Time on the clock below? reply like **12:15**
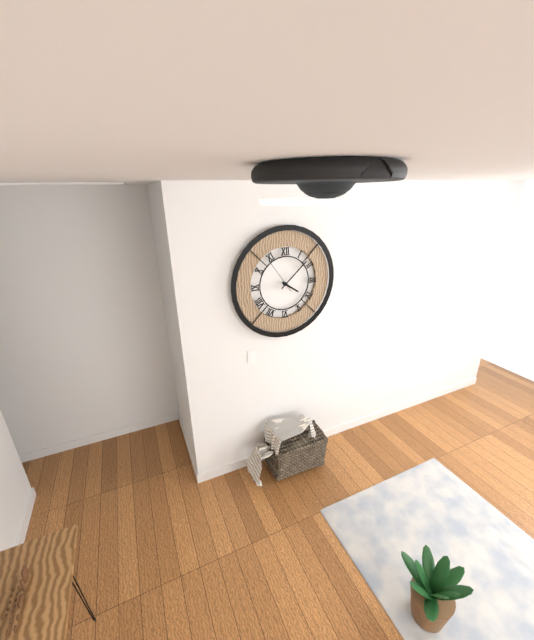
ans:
**4:08**
